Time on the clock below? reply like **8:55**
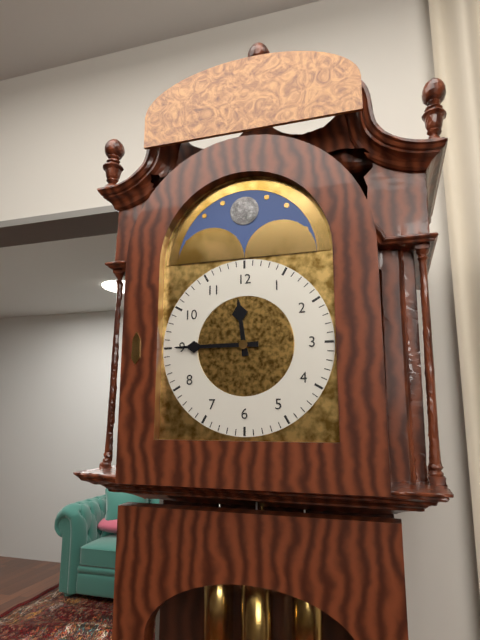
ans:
**11:45**
